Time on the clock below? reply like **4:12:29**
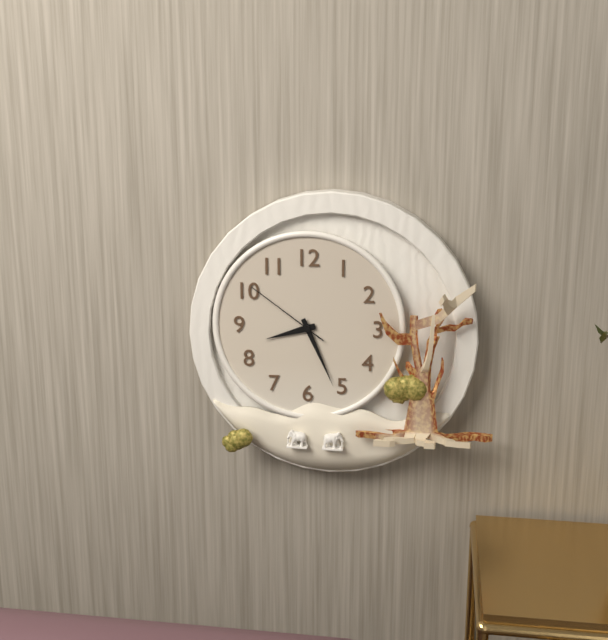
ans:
**8:26:51**
